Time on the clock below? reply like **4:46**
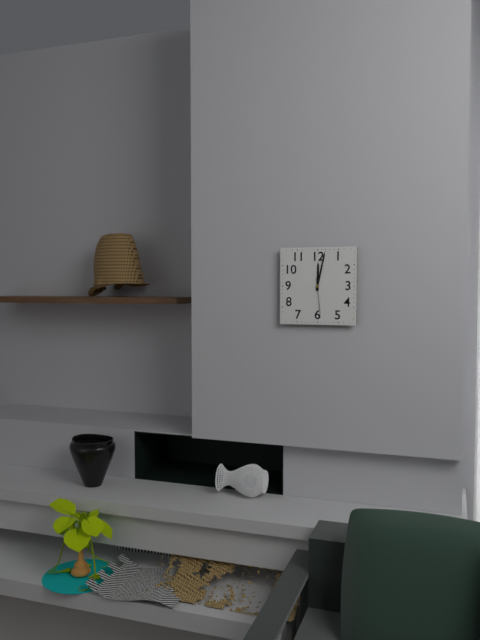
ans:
**12:02**
